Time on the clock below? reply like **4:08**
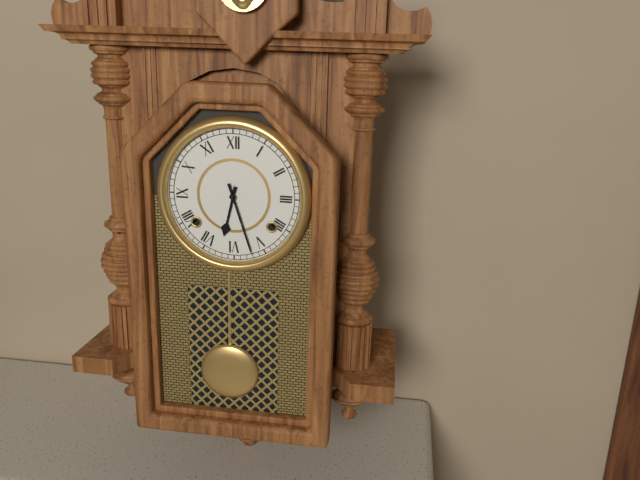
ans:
**6:27**
